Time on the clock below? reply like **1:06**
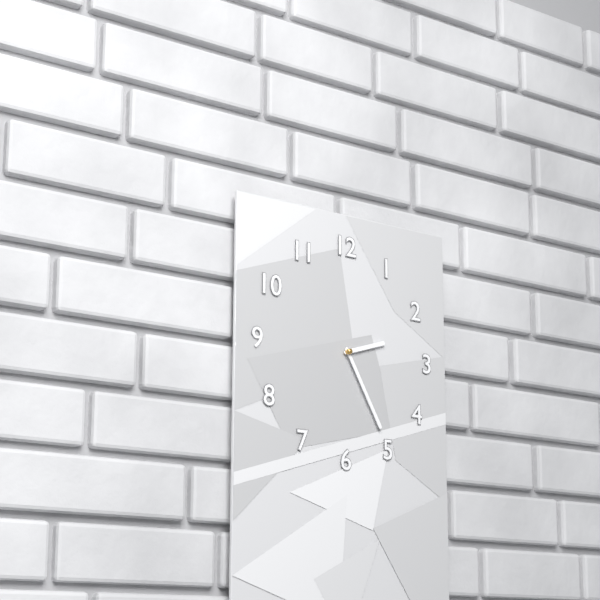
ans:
**2:25**
